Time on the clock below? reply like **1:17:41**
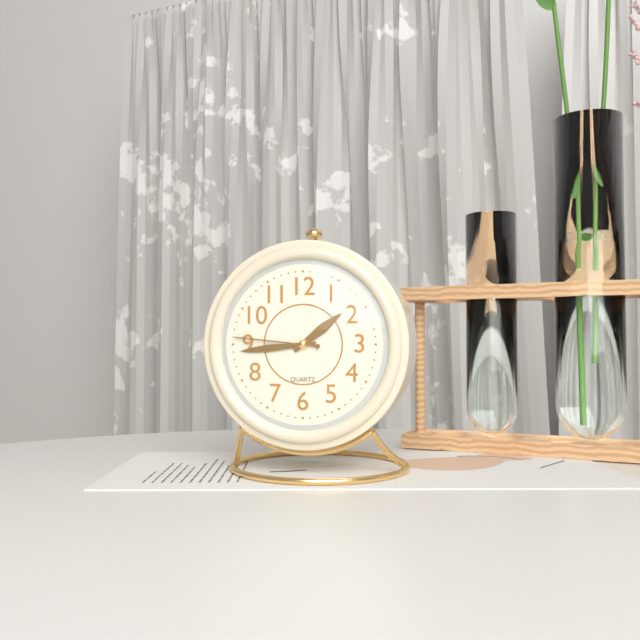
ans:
**1:44:46**
